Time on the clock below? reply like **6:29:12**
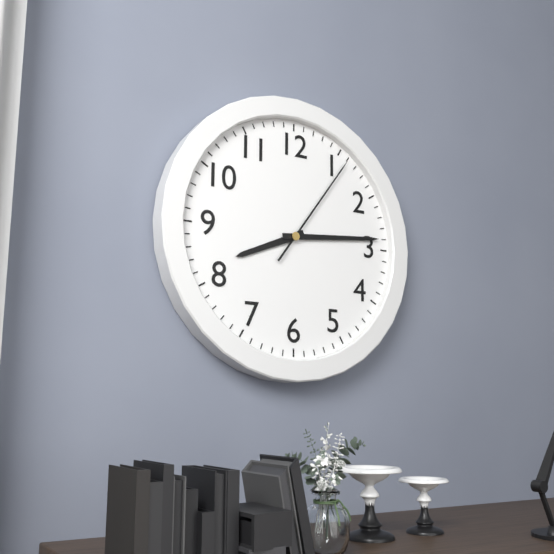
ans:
**8:14:06**
